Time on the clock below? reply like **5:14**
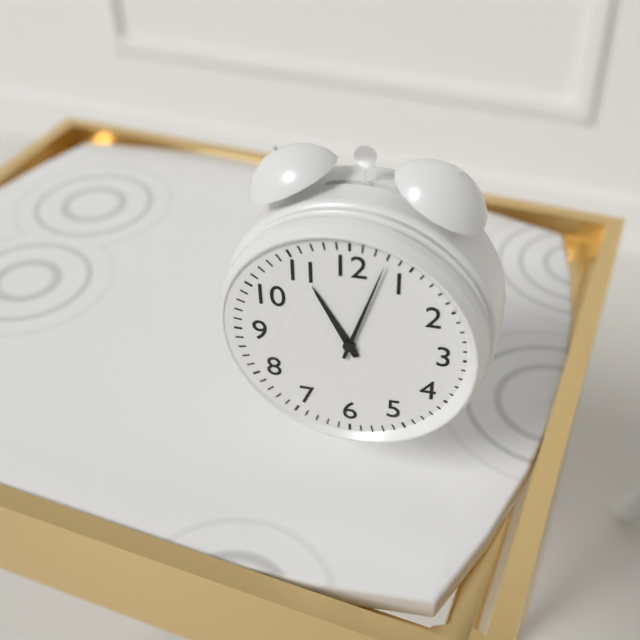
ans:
**11:03**
